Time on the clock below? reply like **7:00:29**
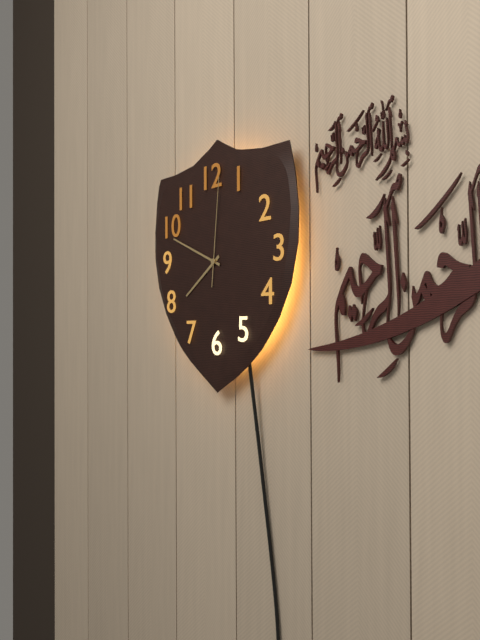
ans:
**7:49:01**
